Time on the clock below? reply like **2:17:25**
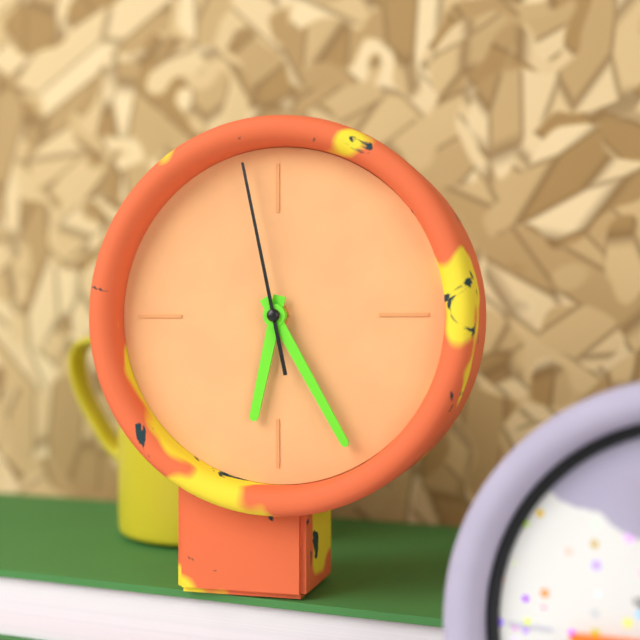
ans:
**6:25:58**
